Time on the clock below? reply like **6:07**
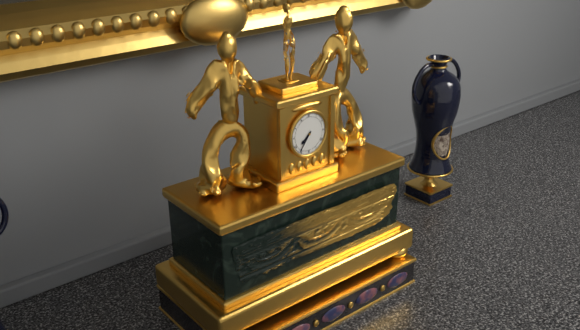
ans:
**7:36**
